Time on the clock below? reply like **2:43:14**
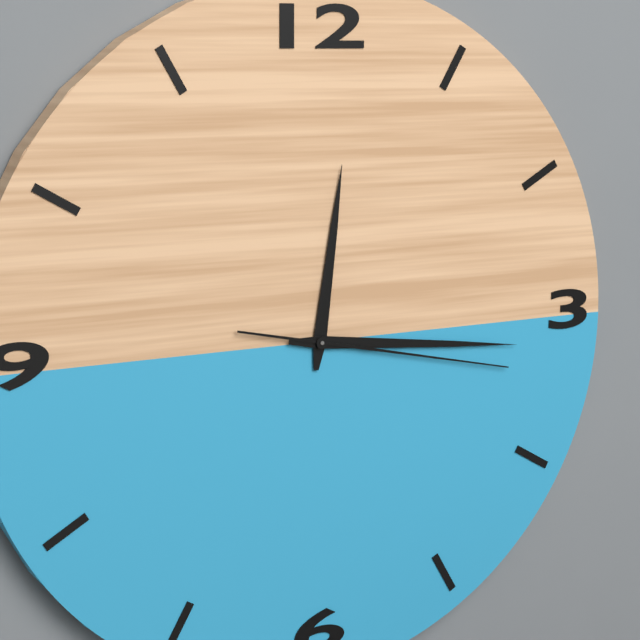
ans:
**12:16:17**
